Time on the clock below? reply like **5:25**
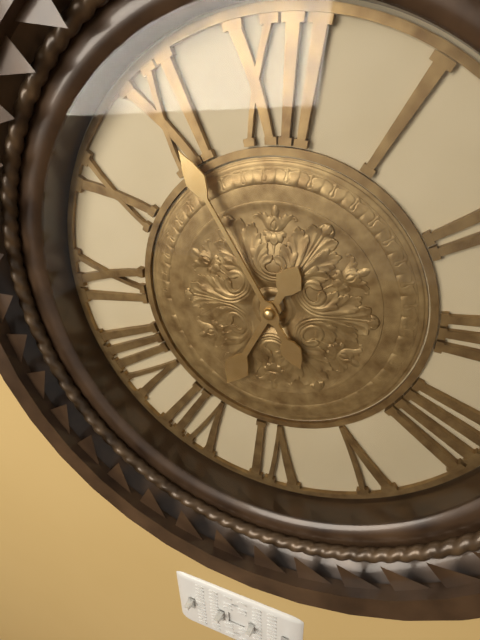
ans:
**6:55**
